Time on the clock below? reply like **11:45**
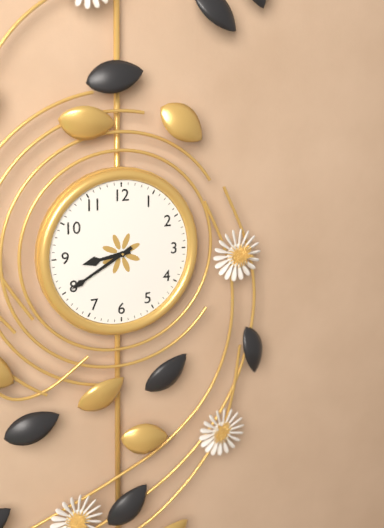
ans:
**8:40**
